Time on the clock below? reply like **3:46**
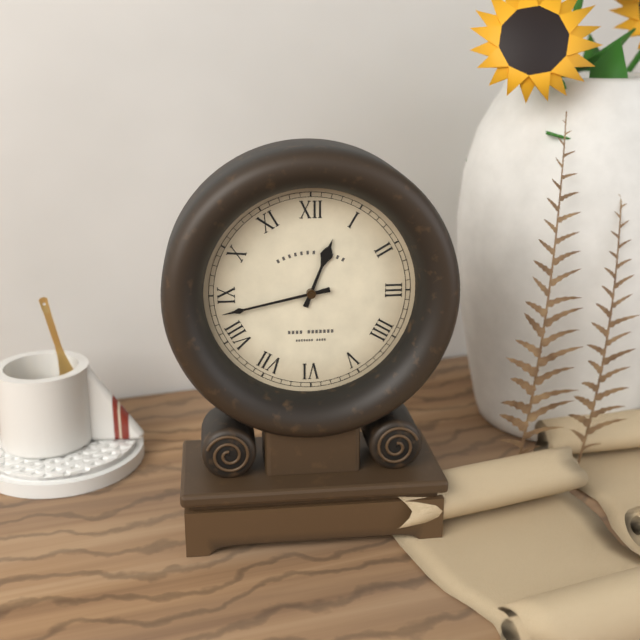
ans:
**12:43**
